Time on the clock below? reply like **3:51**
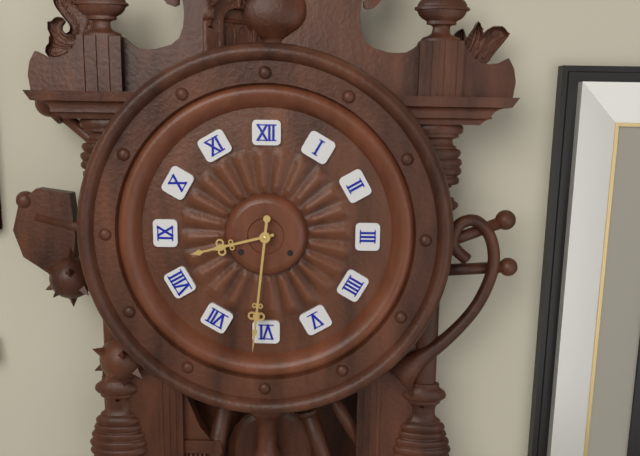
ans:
**8:31**
